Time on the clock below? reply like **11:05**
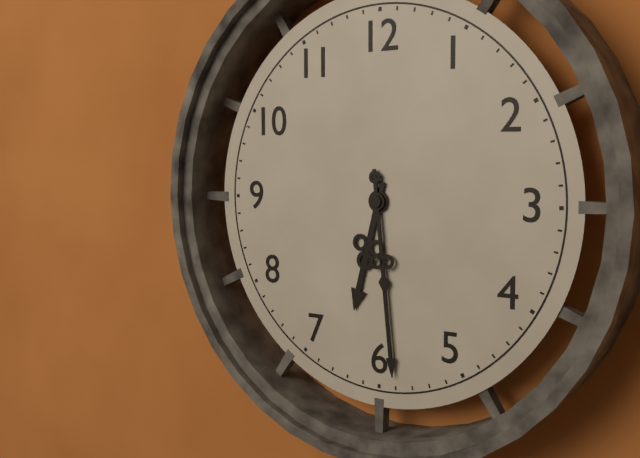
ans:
**6:29**
